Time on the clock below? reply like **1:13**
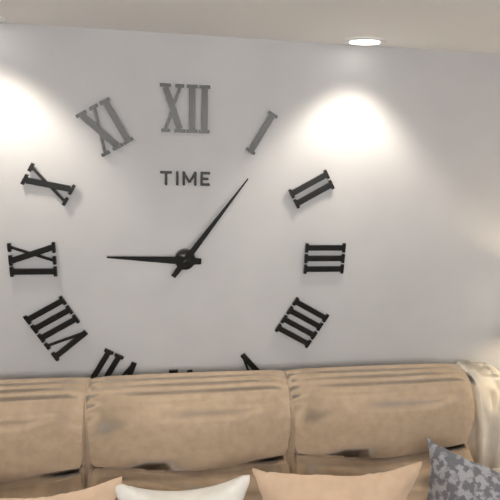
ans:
**9:06**
